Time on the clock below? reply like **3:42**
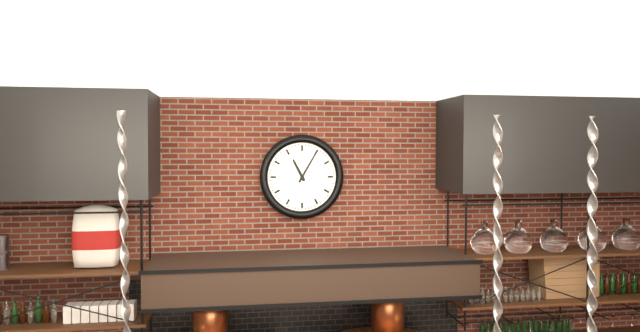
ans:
**11:05**
